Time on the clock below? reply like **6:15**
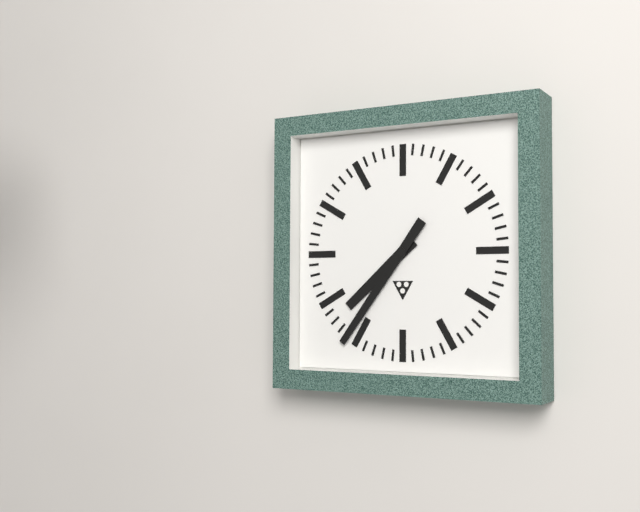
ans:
**7:36**
